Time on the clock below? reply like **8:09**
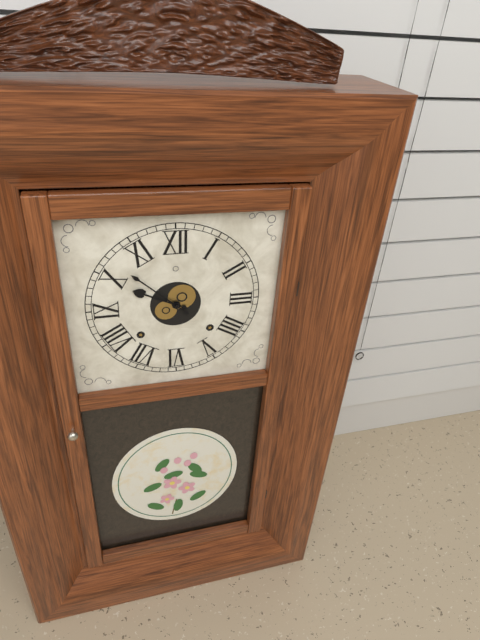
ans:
**9:52**
